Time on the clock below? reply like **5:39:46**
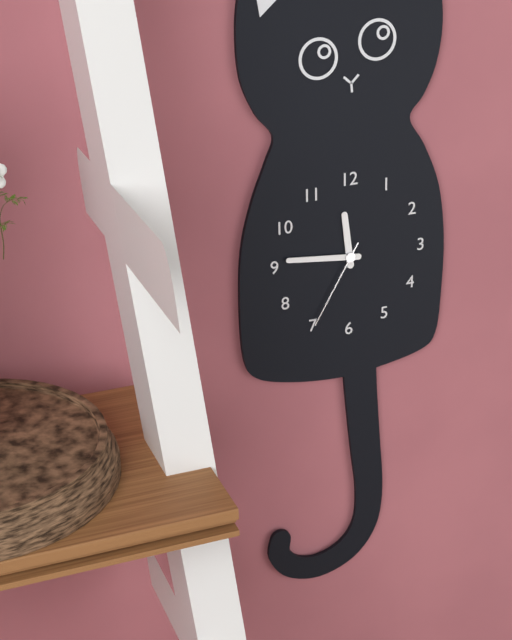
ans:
**11:46:35**
